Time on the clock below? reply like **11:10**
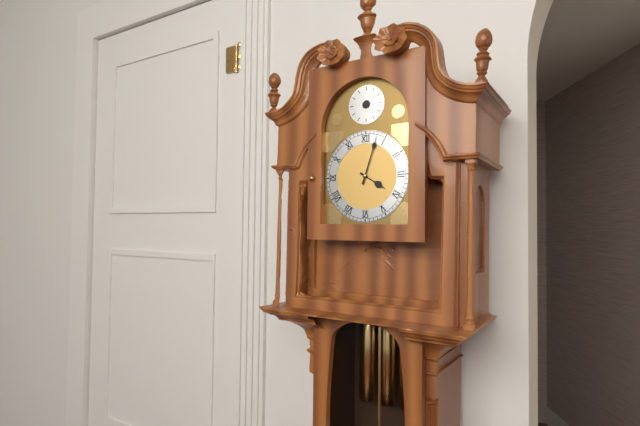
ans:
**4:03**
